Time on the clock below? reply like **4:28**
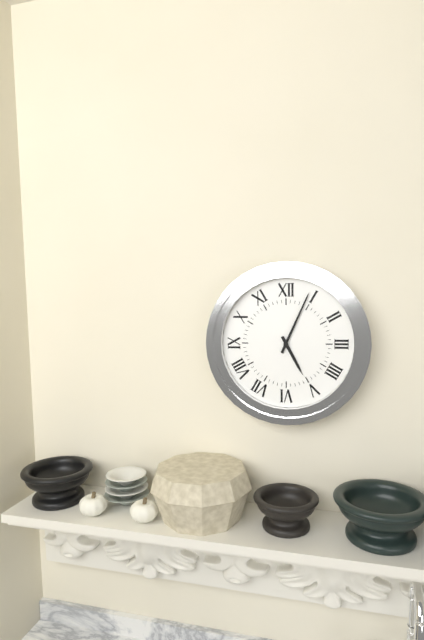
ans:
**5:04**
